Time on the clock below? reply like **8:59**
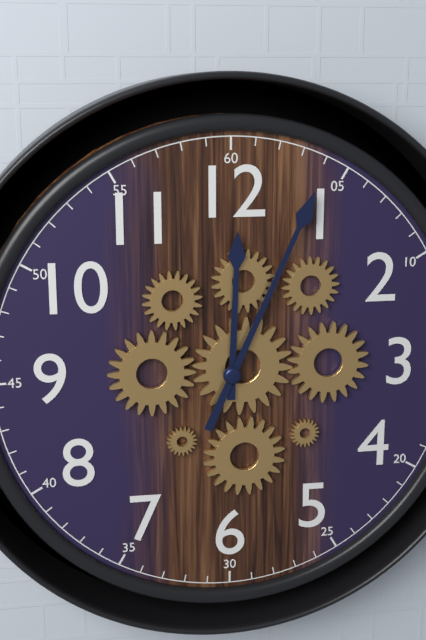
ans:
**12:04**
